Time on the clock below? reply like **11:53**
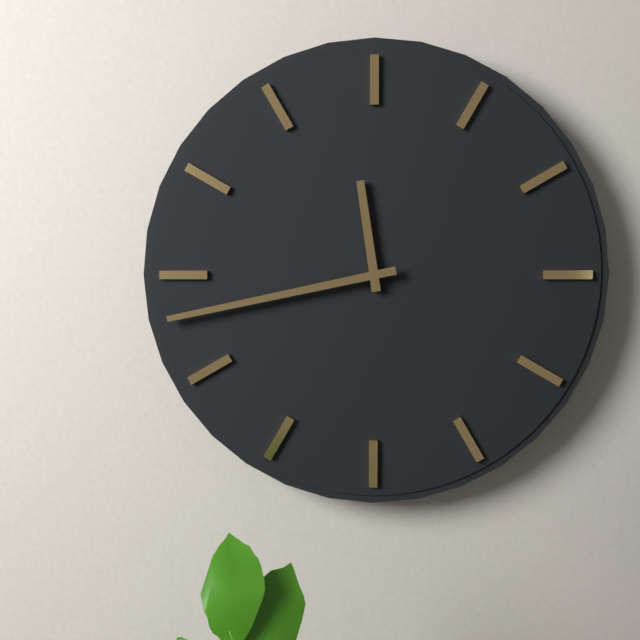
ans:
**11:43**
